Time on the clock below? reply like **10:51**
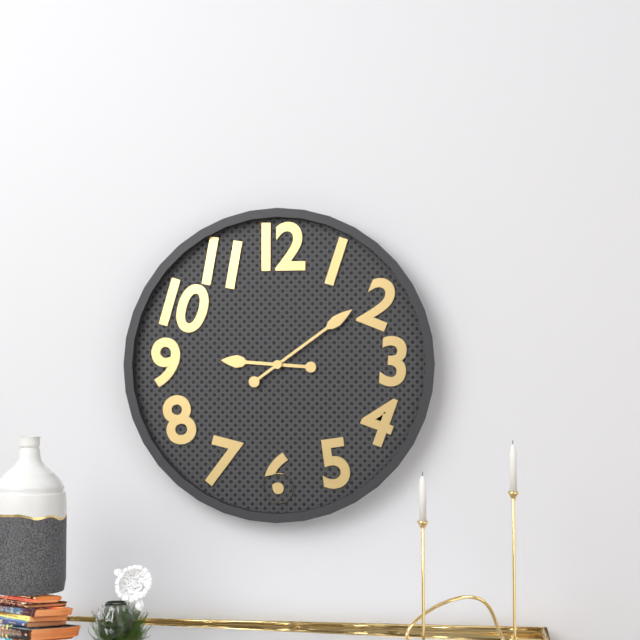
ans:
**9:09**
